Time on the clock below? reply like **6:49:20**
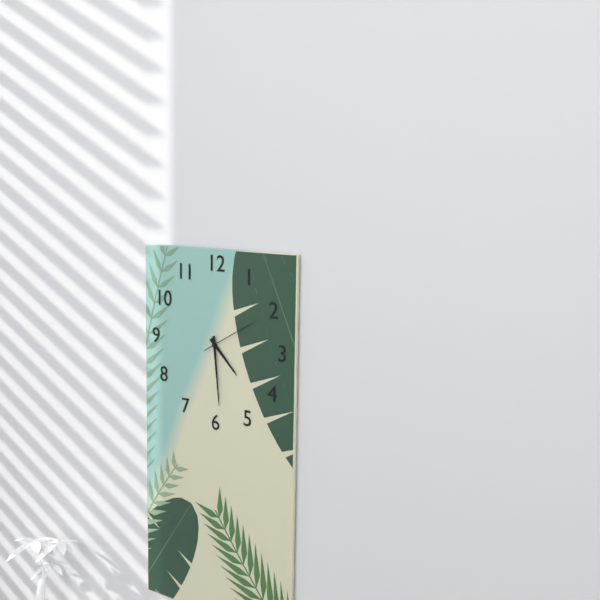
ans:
**4:29:10**
